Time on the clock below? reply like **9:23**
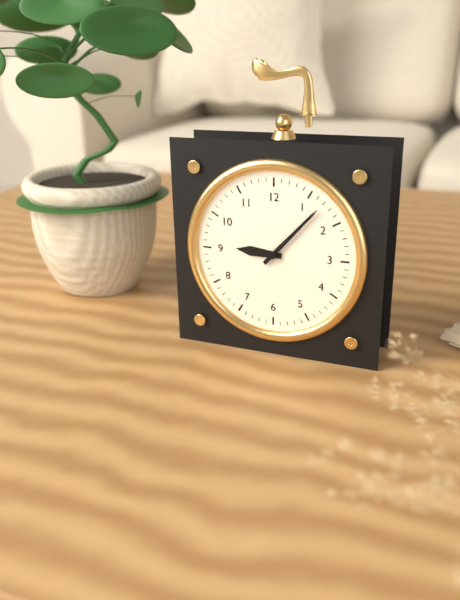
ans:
**9:07**
